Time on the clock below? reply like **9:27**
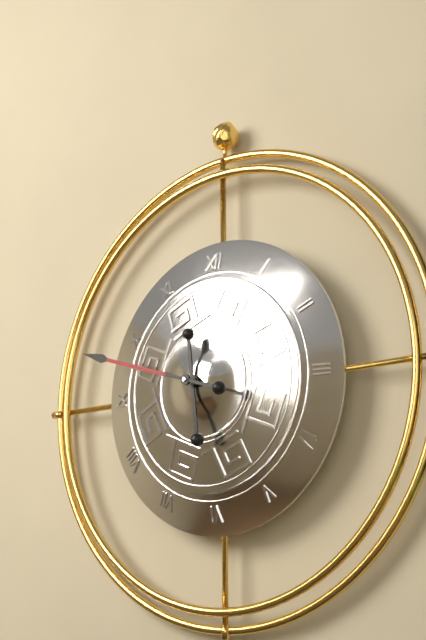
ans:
**5:48**
